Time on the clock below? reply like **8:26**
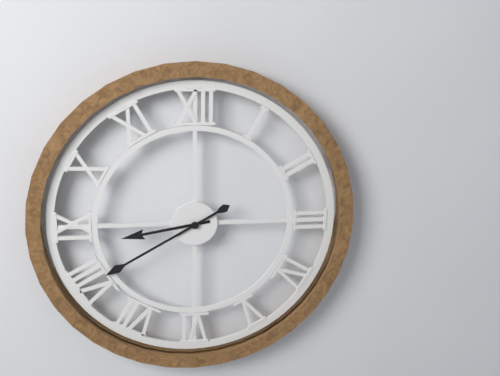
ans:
**8:40**
